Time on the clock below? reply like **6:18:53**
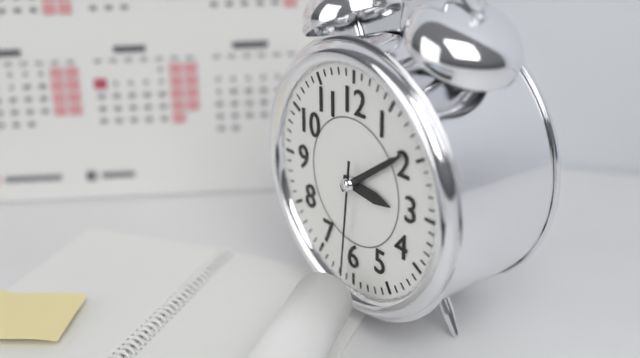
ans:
**3:09:31**
